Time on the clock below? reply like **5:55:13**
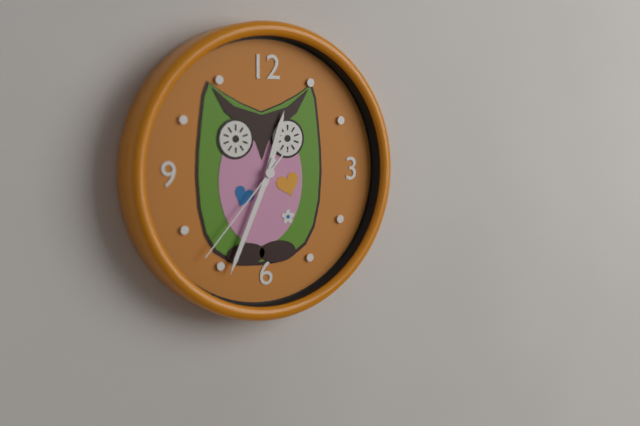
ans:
**12:34:37**
